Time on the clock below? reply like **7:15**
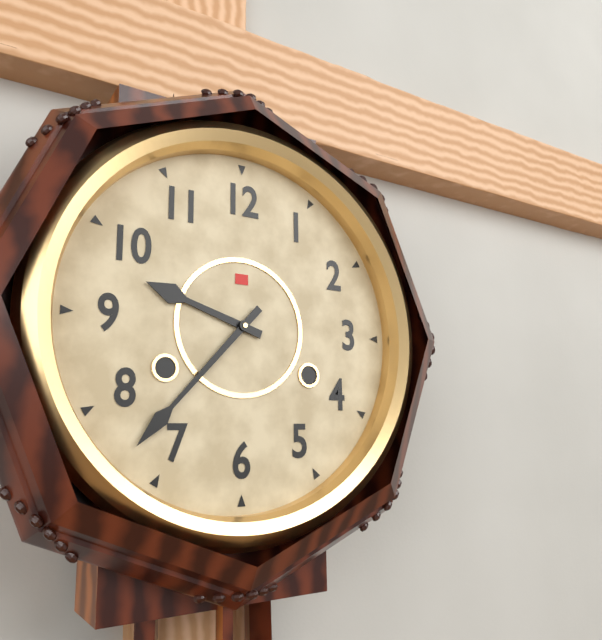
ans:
**9:37**
